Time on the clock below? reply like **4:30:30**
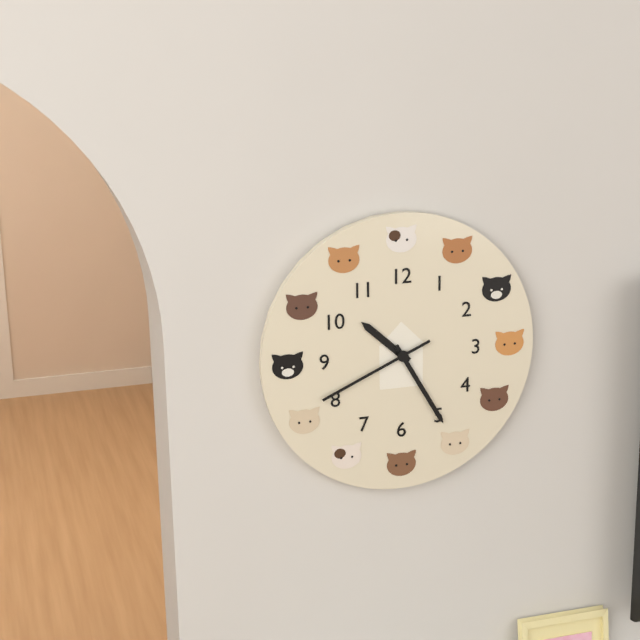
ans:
**10:25:41**
